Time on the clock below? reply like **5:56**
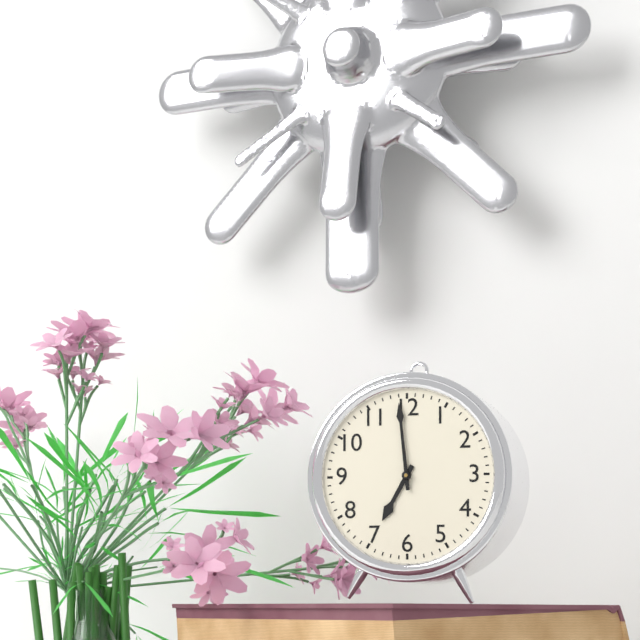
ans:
**6:59**
